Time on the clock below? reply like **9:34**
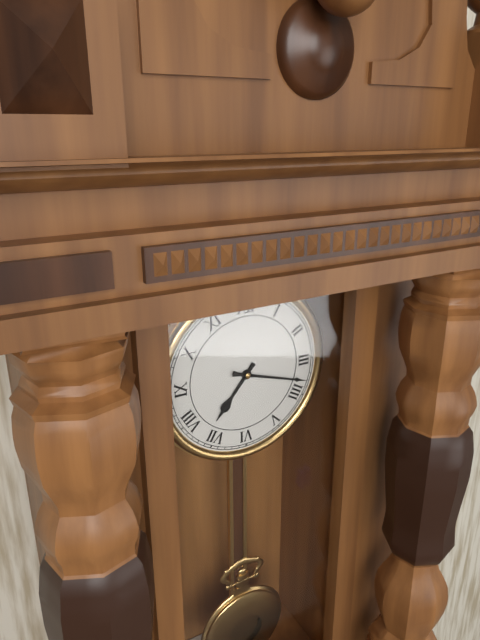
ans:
**7:18**
